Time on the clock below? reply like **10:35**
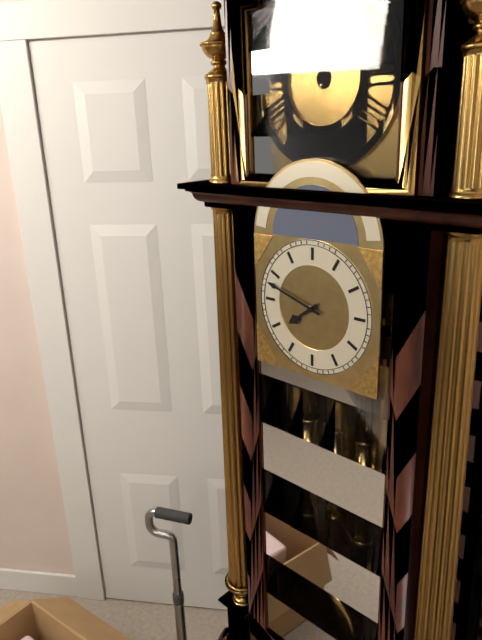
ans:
**7:48**
